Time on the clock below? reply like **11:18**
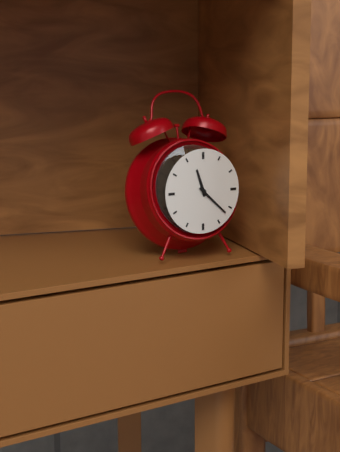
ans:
**11:22**
